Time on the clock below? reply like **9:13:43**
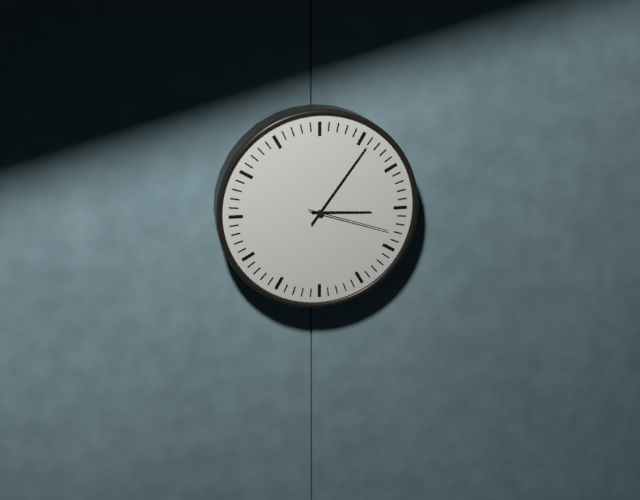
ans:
**3:06:18**
